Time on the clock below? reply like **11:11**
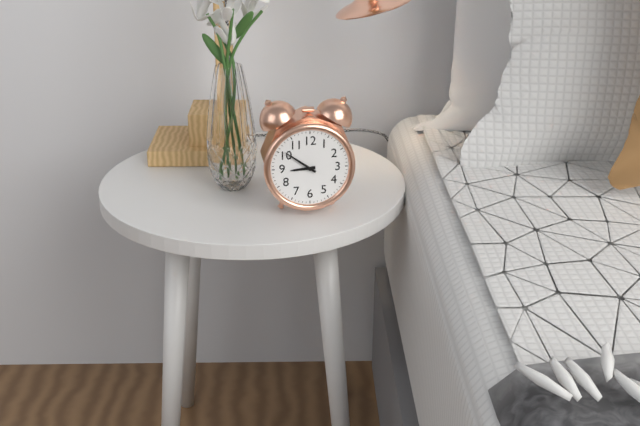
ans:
**8:51**
